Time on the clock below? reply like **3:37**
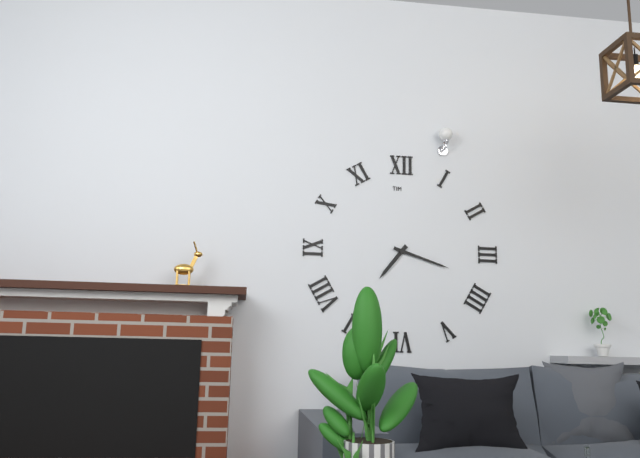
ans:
**7:18**
